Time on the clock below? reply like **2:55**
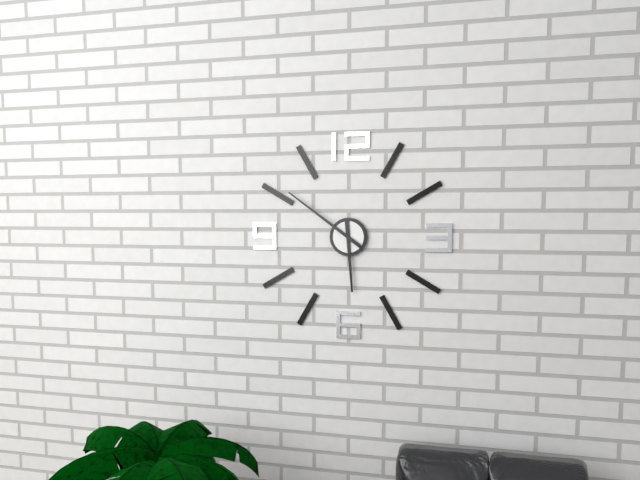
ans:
**5:51**
